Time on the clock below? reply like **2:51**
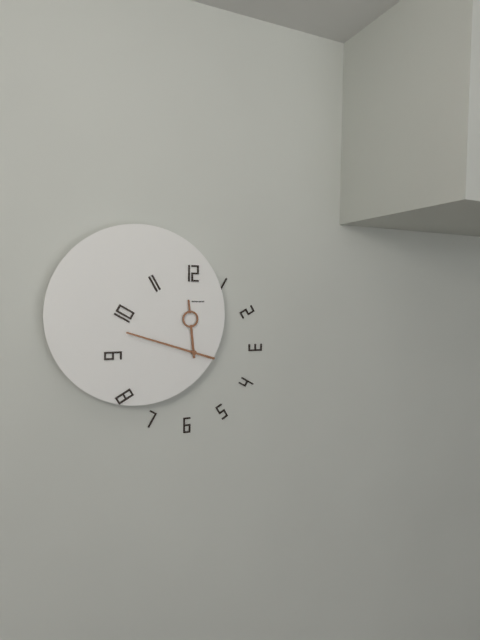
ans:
**11:48**
